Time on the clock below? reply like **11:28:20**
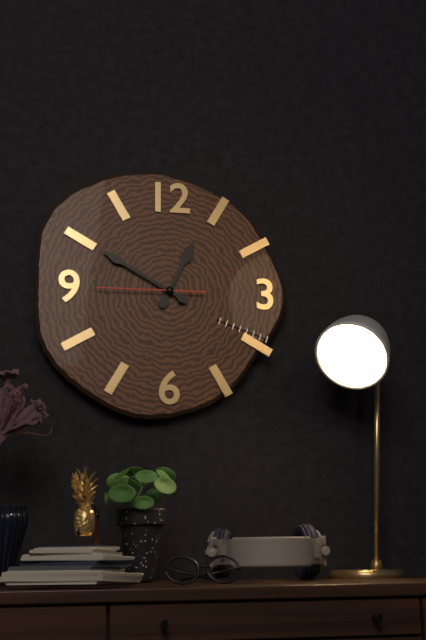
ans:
**12:50:45**
